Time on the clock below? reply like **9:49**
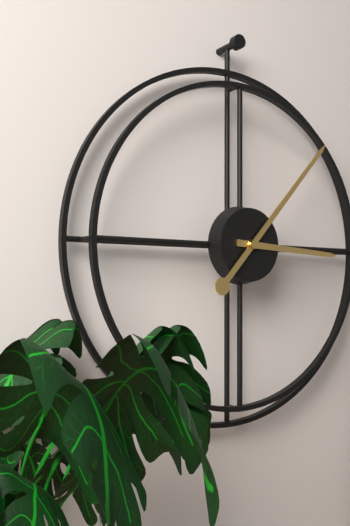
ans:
**3:07**
